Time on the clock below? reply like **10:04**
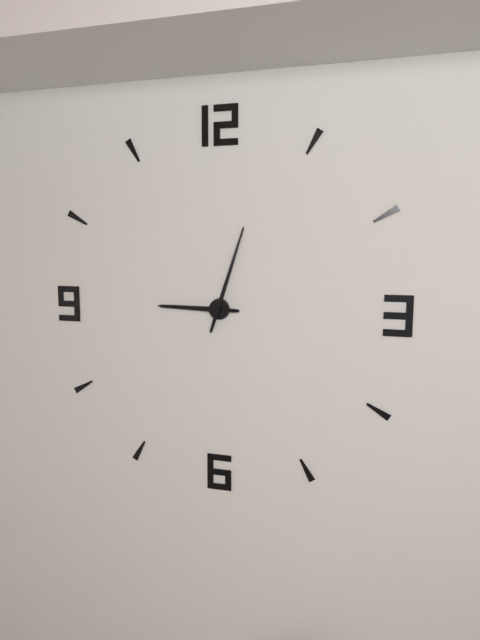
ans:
**9:03**
